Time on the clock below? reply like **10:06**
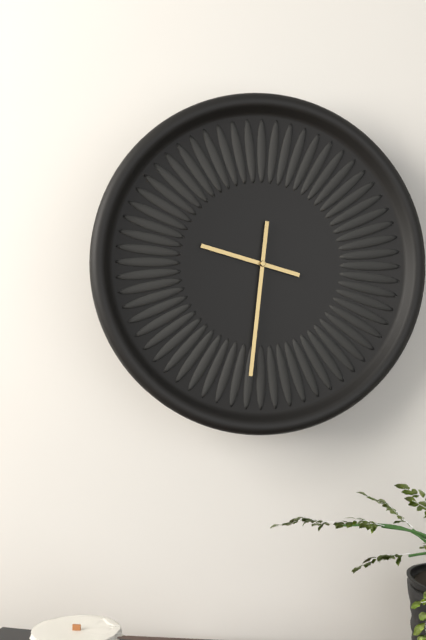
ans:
**9:31**
